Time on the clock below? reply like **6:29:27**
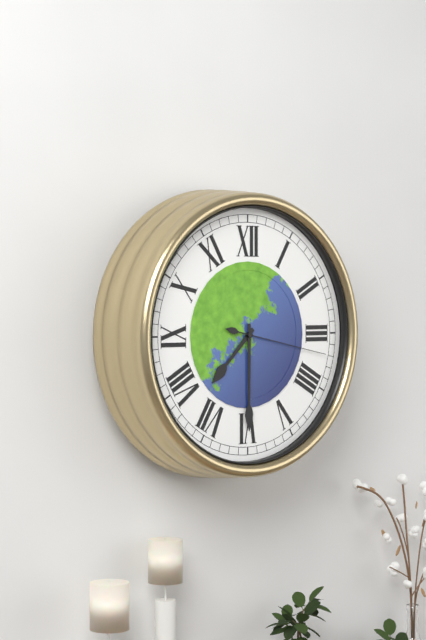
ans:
**7:30:17**
